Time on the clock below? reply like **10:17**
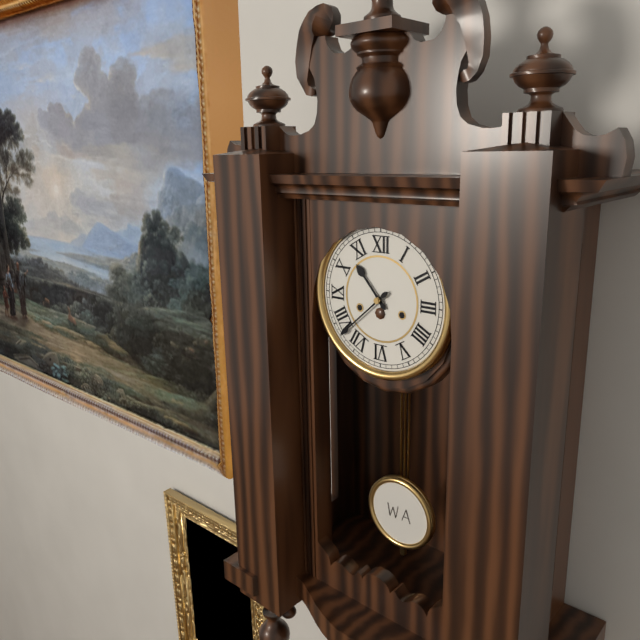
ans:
**10:38**
